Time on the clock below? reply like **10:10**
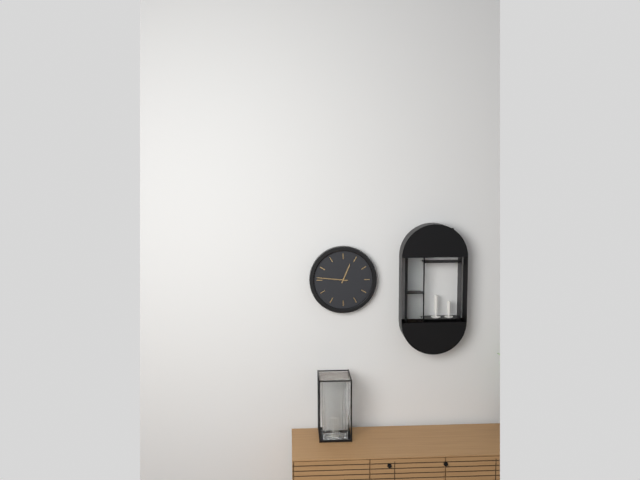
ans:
**12:46**
